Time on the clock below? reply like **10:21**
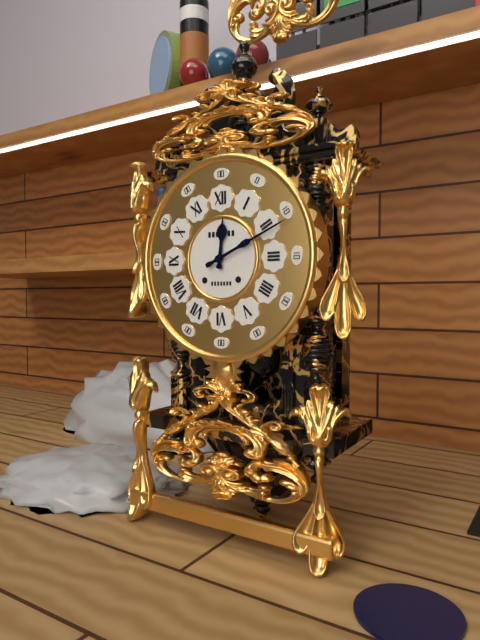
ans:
**12:11**
